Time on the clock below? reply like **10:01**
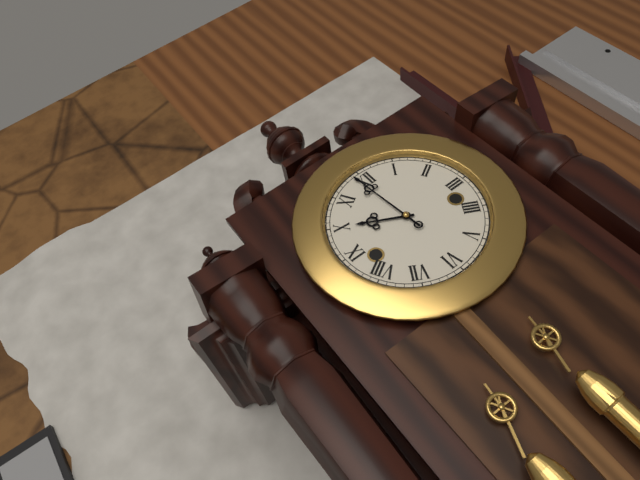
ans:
**9:59**
